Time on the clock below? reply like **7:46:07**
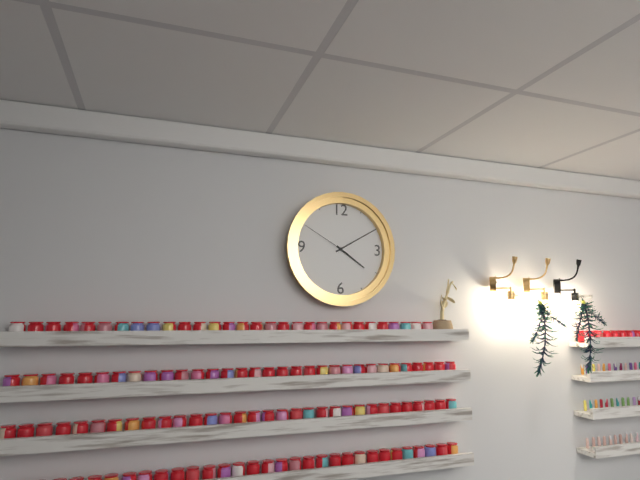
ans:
**4:10:50**
